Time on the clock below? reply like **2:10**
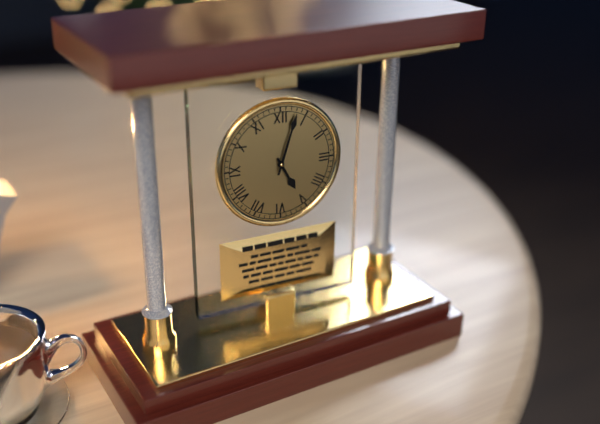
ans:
**5:03**
